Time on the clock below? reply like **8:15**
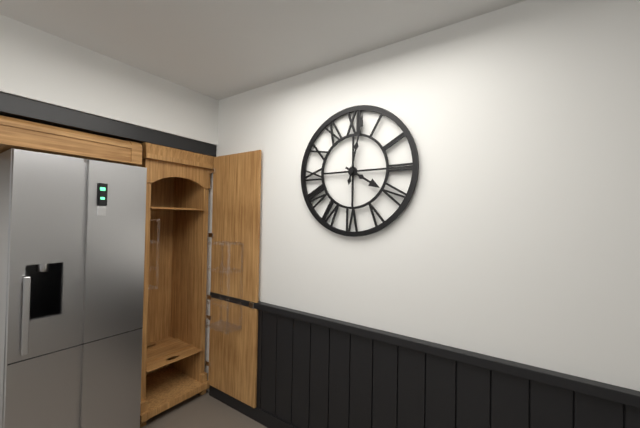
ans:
**4:02**
